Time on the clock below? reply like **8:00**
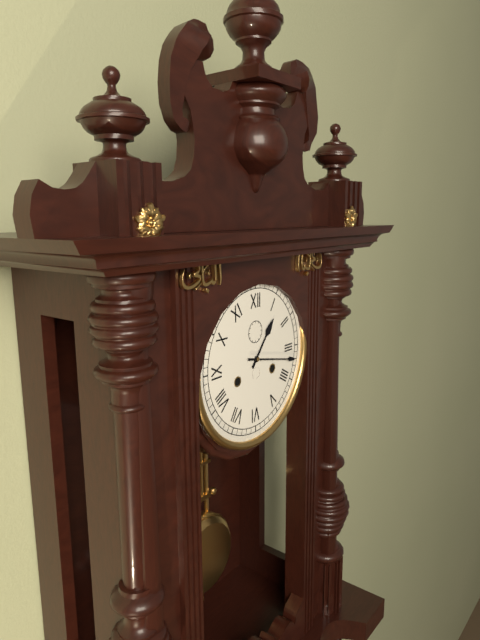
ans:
**1:17**
